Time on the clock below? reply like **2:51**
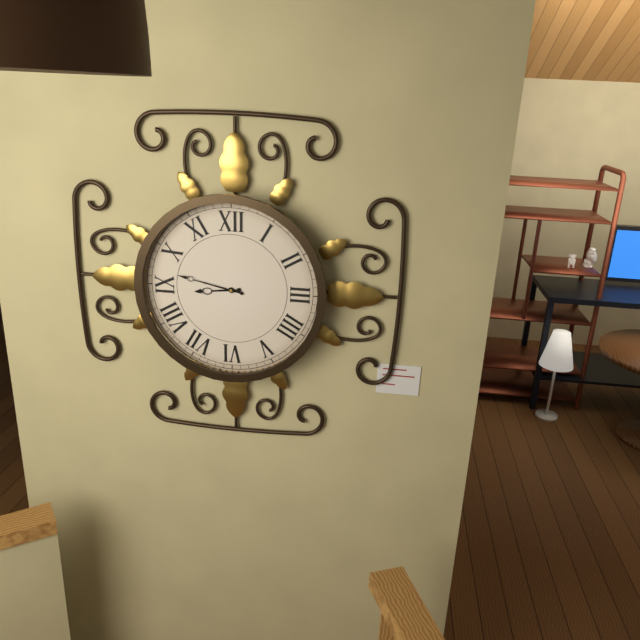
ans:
**8:47**
